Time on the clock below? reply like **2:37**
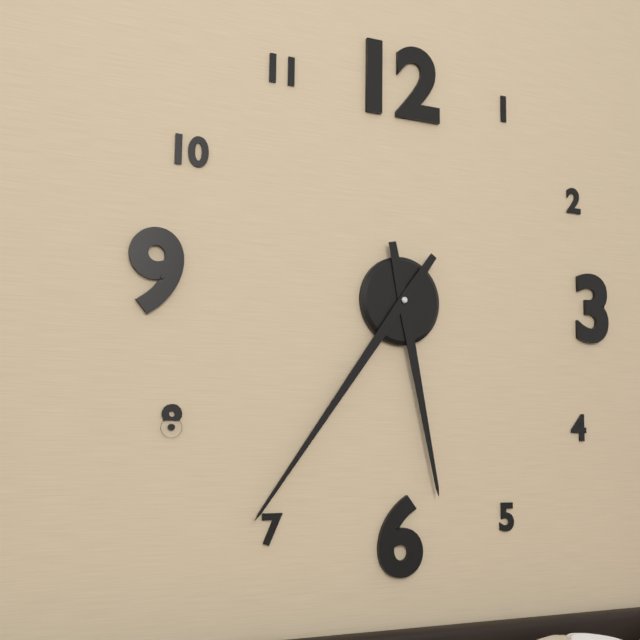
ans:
**5:36**
